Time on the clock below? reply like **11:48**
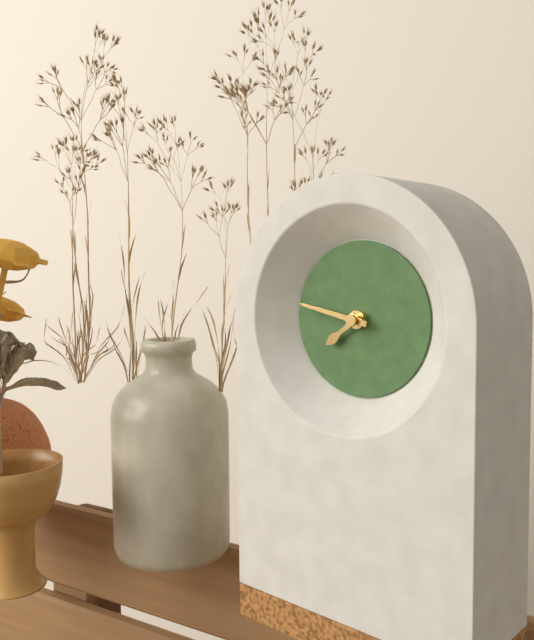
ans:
**7:47**
